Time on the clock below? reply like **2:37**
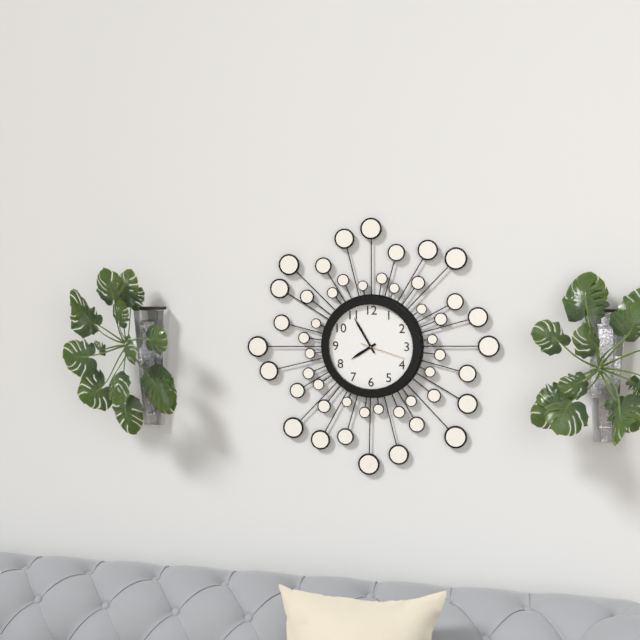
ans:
**7:55**
